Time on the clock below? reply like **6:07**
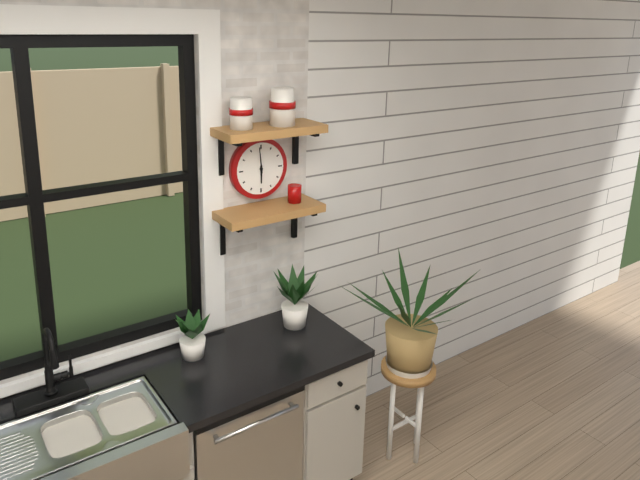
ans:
**5:59**
